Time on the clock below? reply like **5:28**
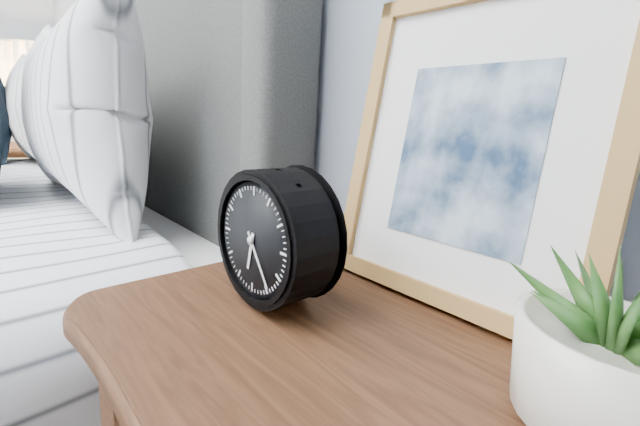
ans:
**6:24**
